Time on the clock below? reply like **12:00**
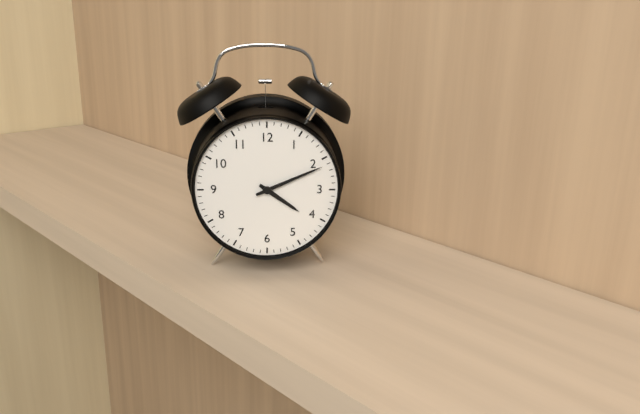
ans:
**4:11**
